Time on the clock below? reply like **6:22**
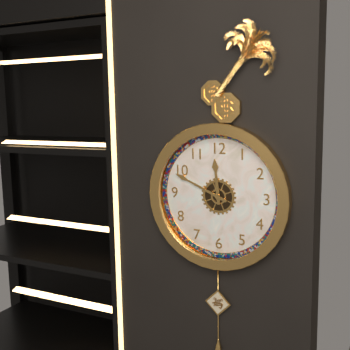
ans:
**11:49**
